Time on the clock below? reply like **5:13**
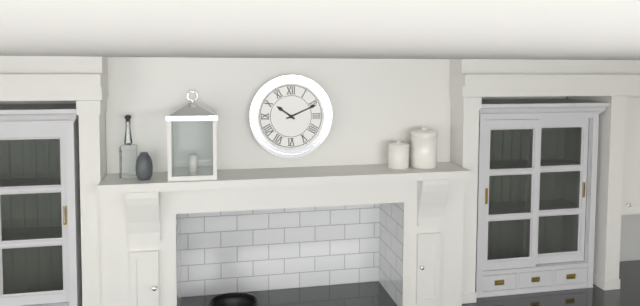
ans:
**10:11**
